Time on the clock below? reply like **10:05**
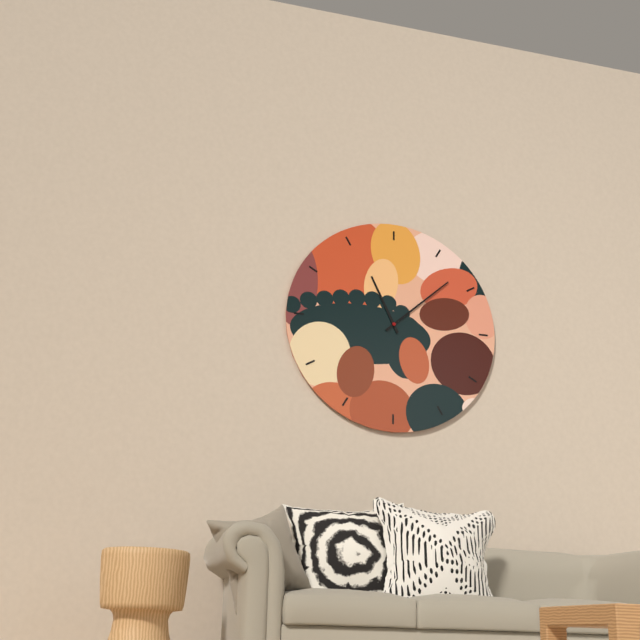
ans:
**11:08**
